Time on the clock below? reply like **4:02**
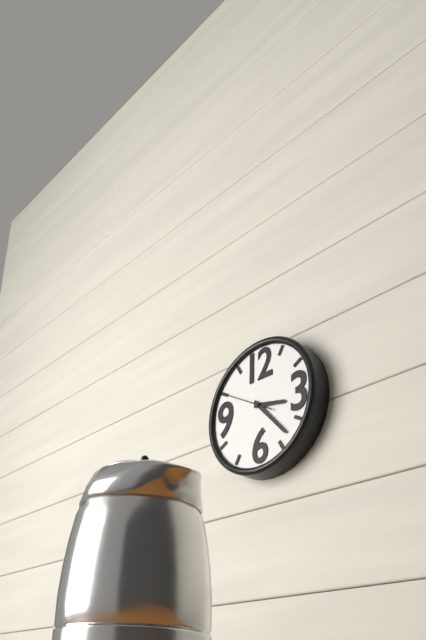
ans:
**3:23**
